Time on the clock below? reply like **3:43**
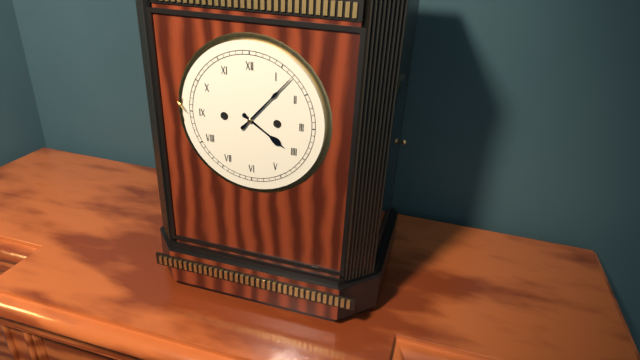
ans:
**4:07**
